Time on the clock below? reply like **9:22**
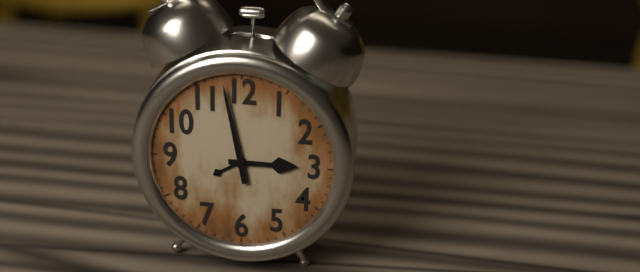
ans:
**2:58**
